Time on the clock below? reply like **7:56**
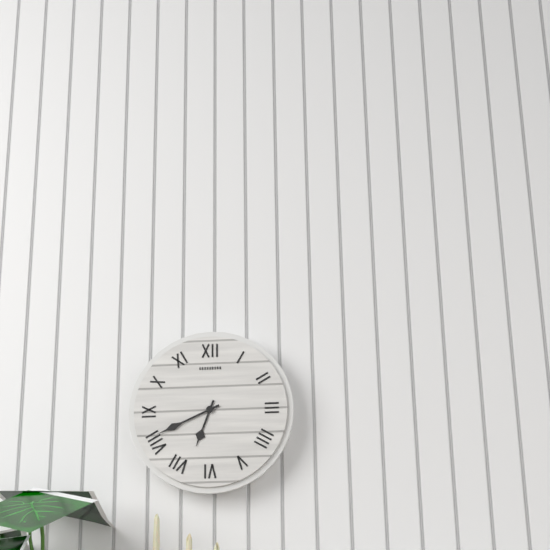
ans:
**6:41**
